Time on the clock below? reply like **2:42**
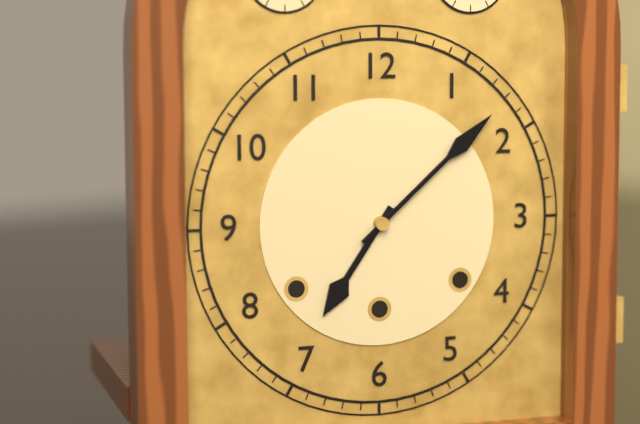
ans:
**7:08**
